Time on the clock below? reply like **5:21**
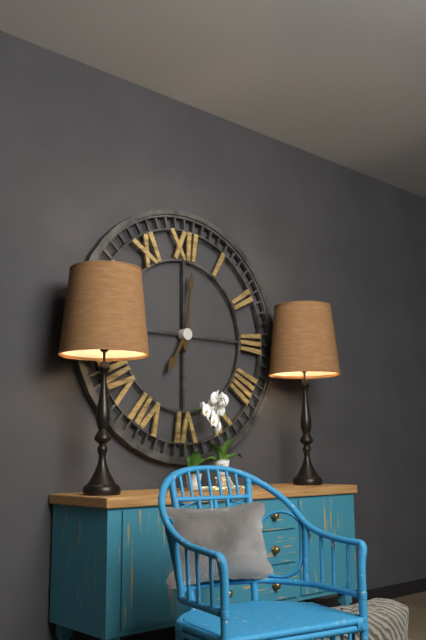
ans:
**7:01**
